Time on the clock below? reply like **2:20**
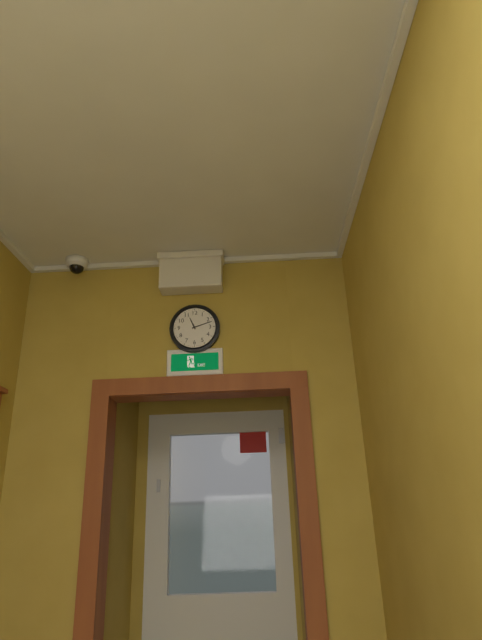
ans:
**11:12**
